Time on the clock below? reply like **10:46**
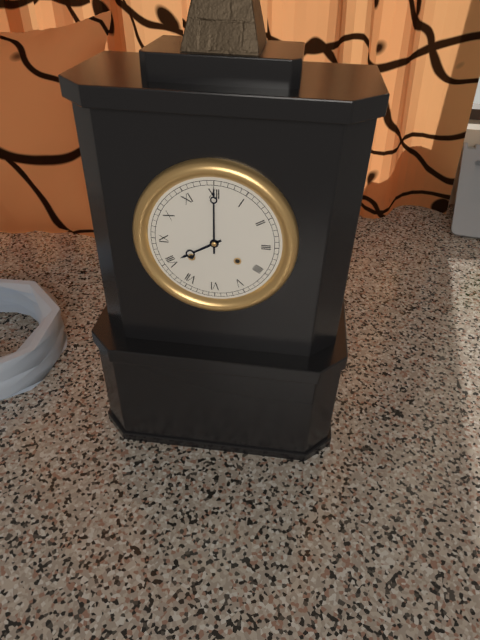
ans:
**8:00**
